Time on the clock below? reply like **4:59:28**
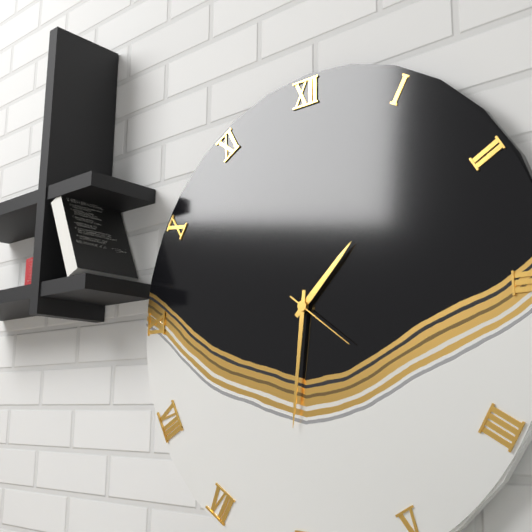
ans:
**1:31:21**
